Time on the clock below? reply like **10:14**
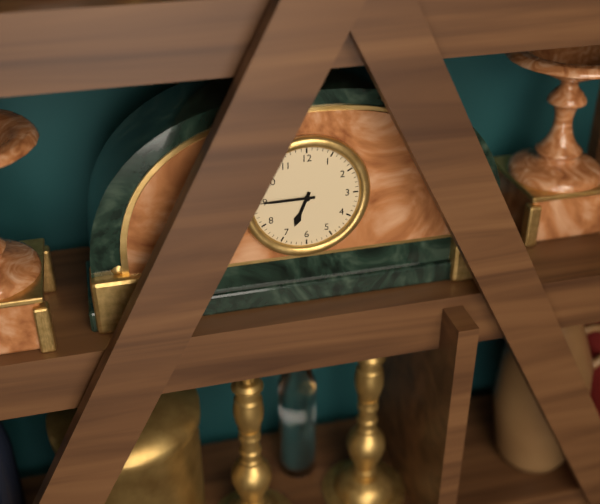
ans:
**6:45**
